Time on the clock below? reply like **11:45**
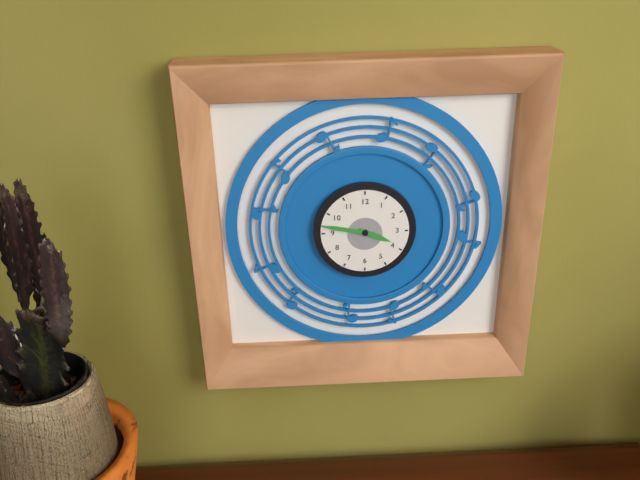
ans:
**3:47**
